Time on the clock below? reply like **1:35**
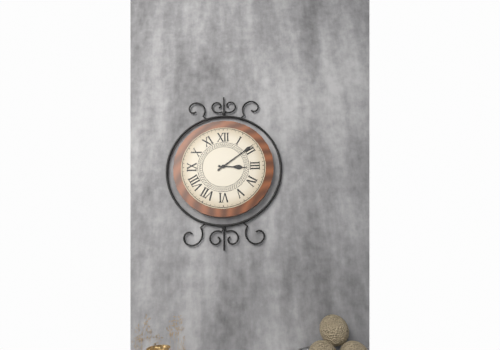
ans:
**3:09**
